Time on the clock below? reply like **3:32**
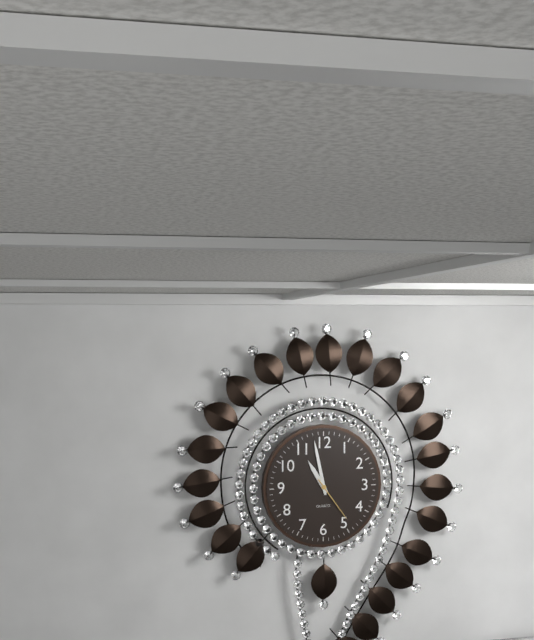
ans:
**10:58**
